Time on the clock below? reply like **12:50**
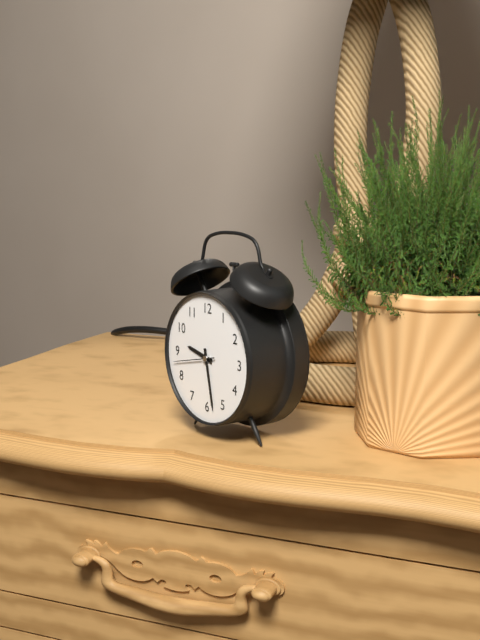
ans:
**9:28**
